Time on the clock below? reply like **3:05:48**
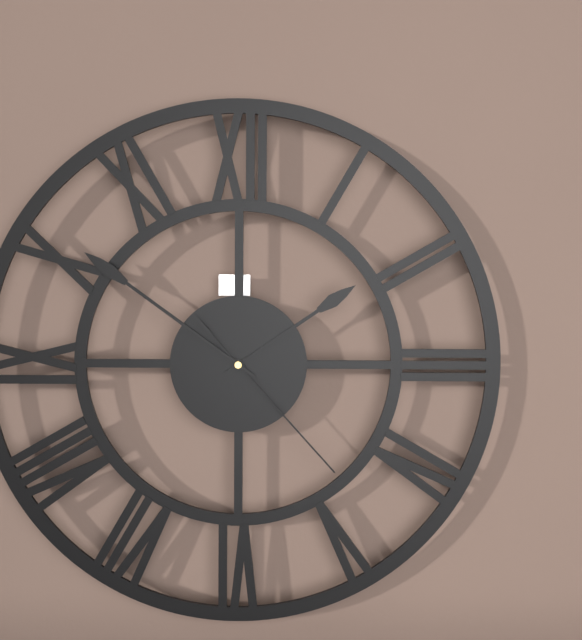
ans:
**1:51:23**
